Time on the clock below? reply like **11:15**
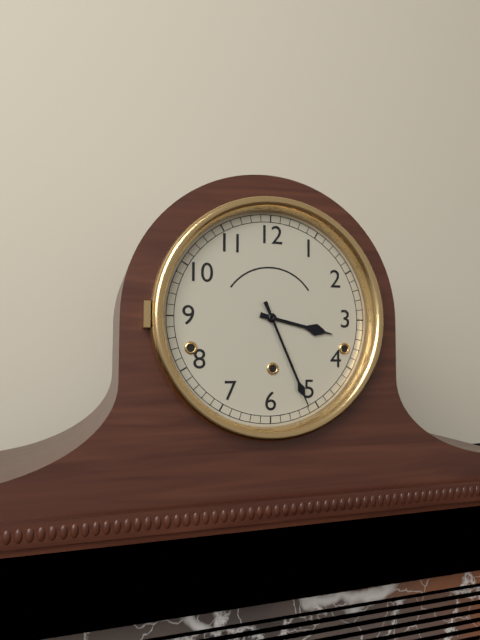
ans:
**3:26**
